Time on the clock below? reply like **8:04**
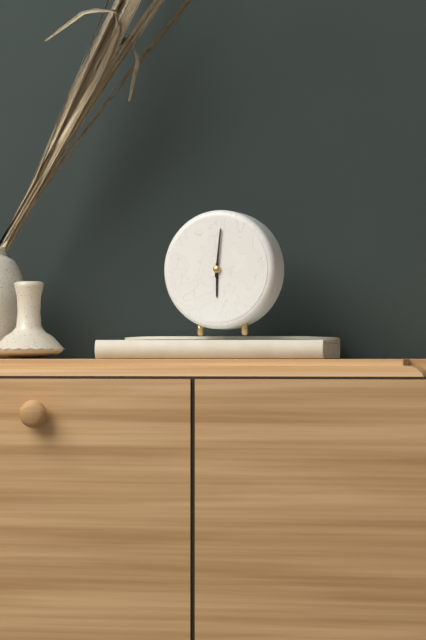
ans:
**6:01**
